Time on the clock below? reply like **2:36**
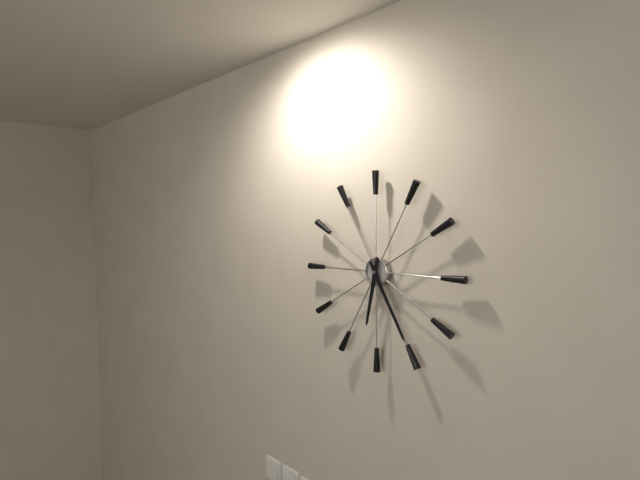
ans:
**6:25**
